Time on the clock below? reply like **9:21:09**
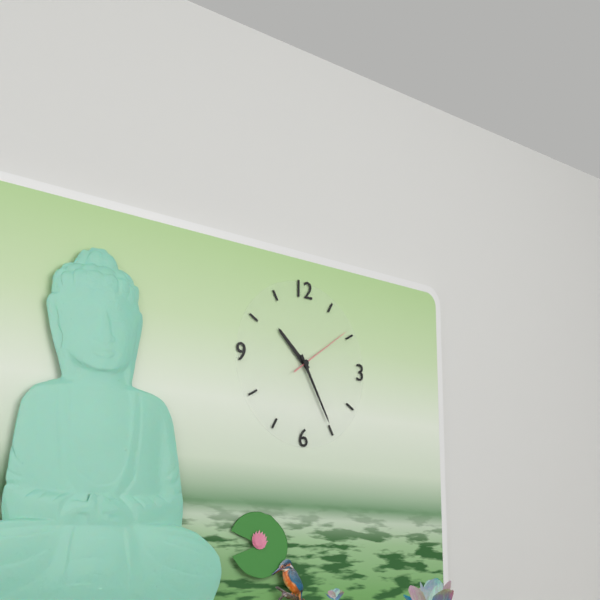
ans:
**10:25:09**
